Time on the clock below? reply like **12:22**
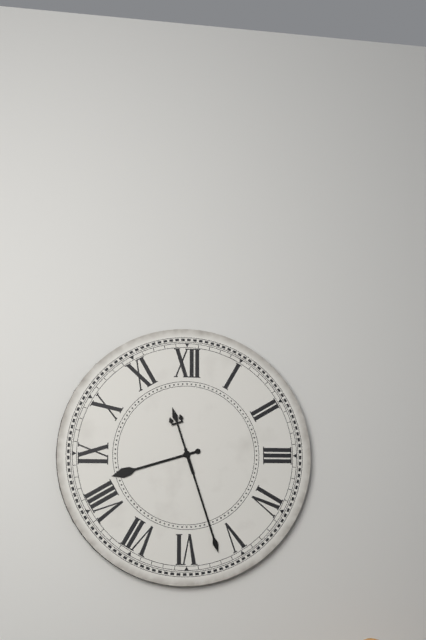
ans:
**8:27**
